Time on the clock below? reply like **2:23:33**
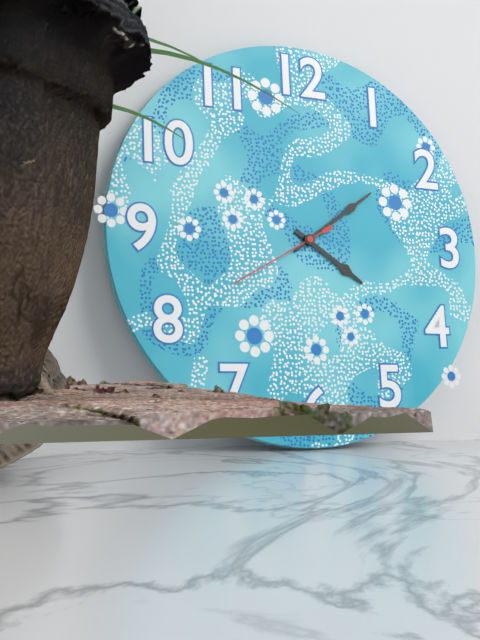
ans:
**4:09:40**
